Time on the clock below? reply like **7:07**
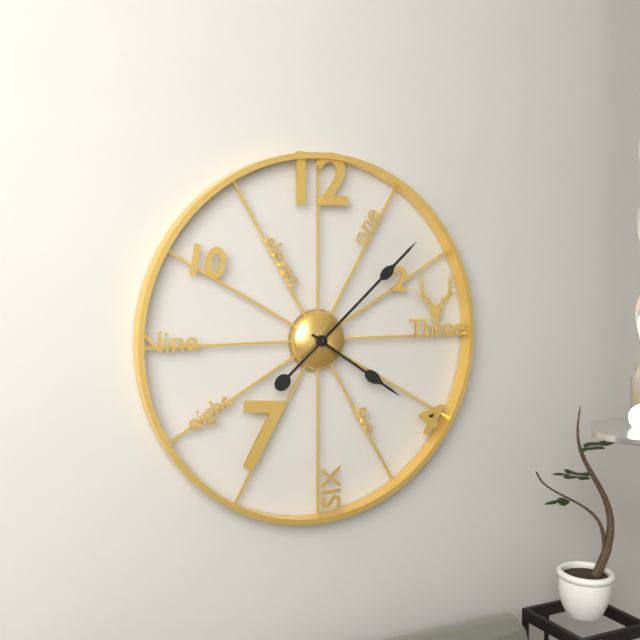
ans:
**4:08**
